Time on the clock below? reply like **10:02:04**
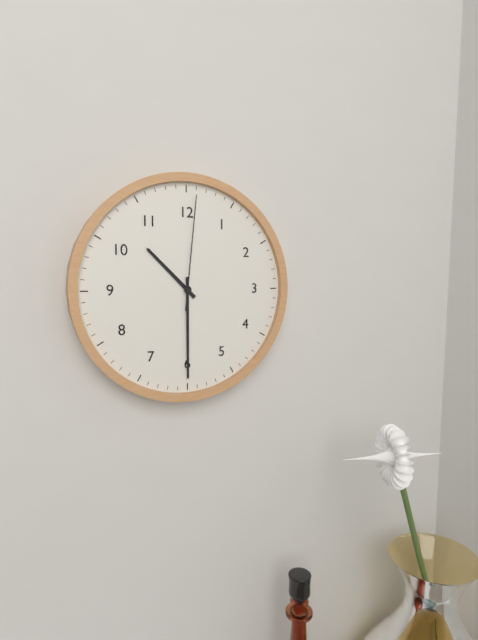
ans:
**10:30:01**
